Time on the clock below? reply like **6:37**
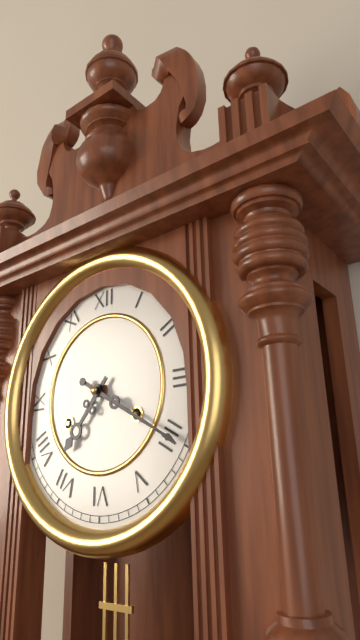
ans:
**7:20**
